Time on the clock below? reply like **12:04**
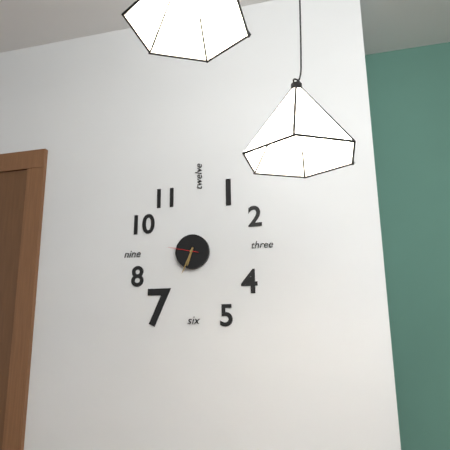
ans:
**6:34**
